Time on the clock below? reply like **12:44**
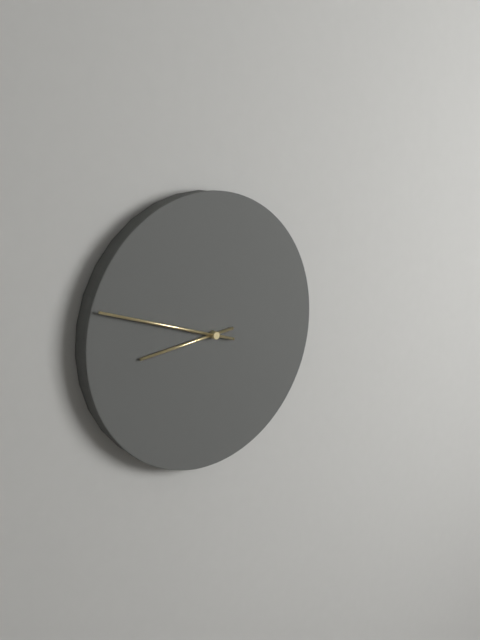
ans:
**8:48**
